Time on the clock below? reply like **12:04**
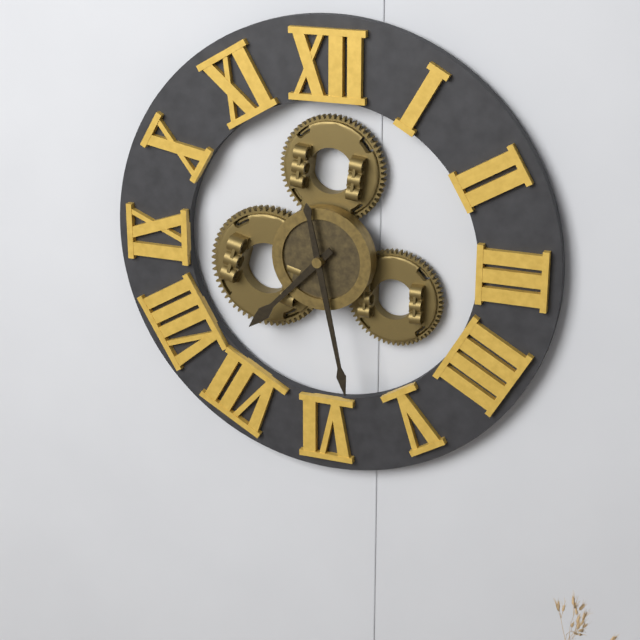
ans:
**7:28**
